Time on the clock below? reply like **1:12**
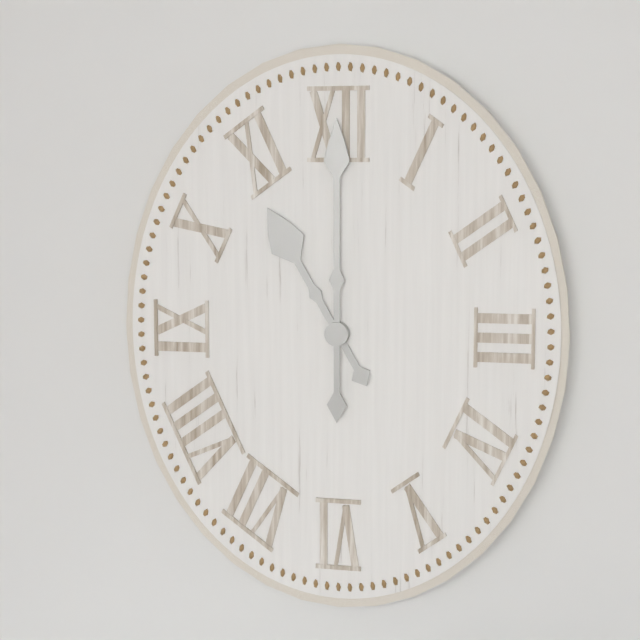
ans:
**11:00**
